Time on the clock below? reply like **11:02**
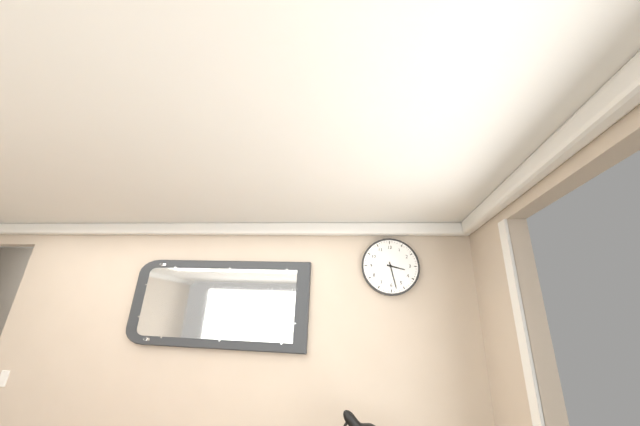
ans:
**3:28**
